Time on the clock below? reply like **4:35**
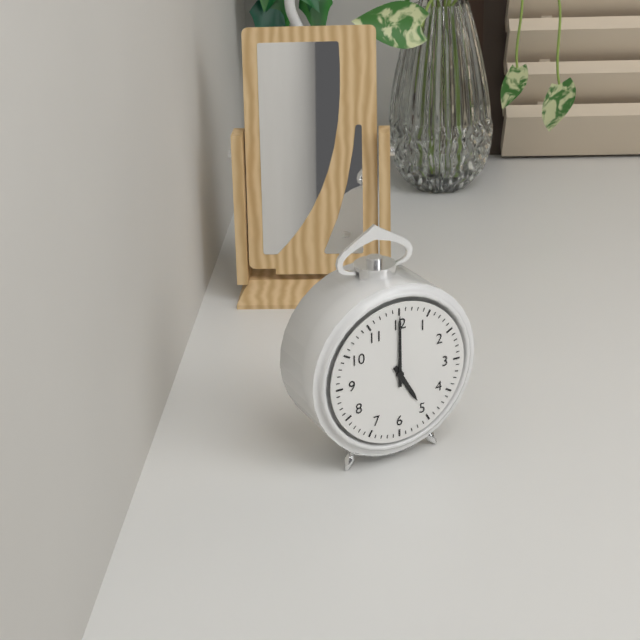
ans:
**5:00**
